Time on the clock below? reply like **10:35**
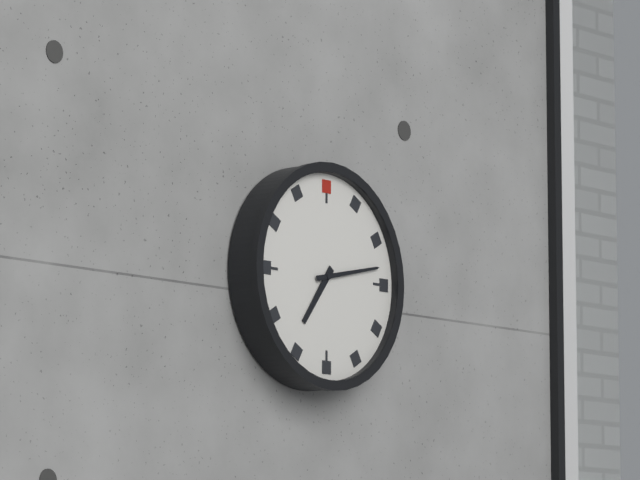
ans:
**7:13**
